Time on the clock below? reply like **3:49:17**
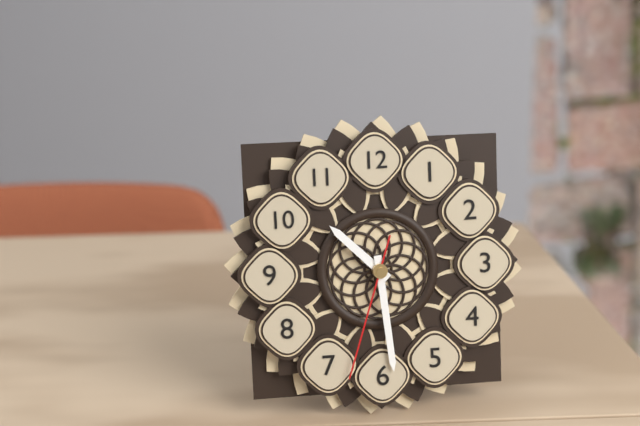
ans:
**10:29:33**
